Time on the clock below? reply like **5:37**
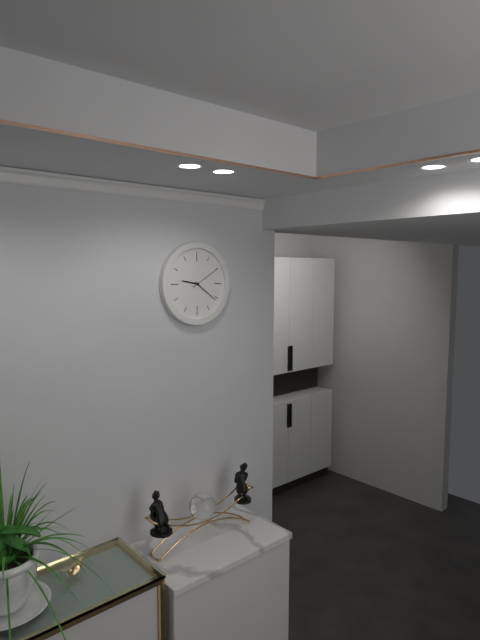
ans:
**9:21**
